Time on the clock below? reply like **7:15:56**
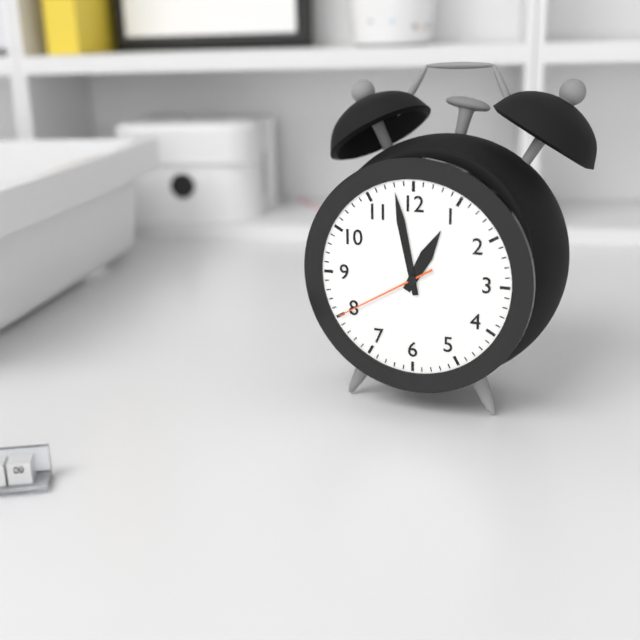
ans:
**12:58:40**
